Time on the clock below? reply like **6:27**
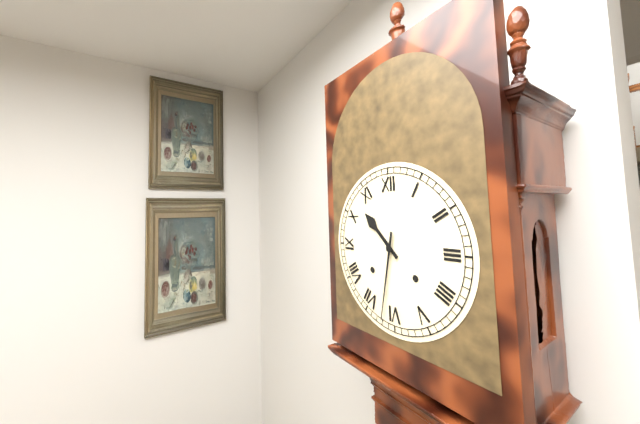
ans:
**10:32**
